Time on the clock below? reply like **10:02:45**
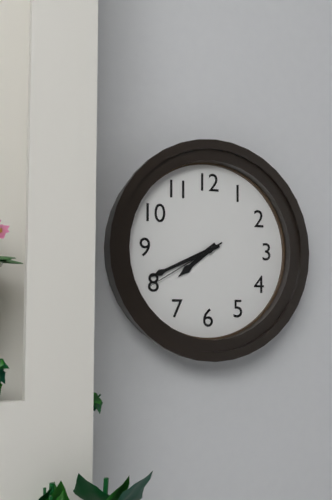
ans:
**7:41:40**
